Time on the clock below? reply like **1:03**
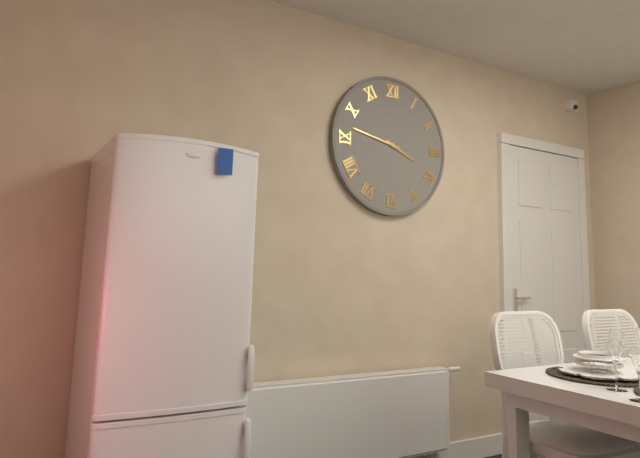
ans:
**3:47**
